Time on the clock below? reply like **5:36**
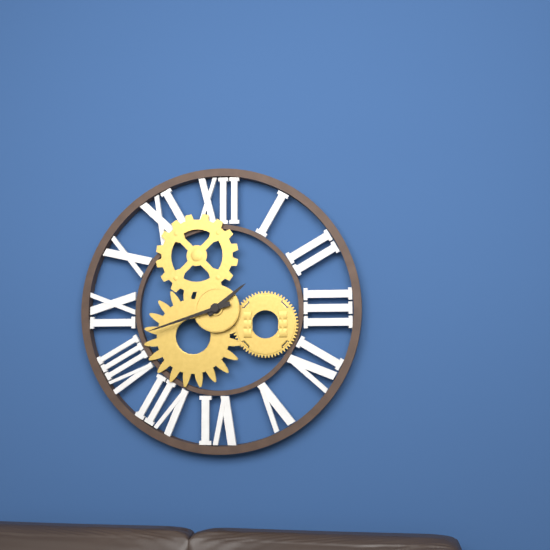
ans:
**1:42**
